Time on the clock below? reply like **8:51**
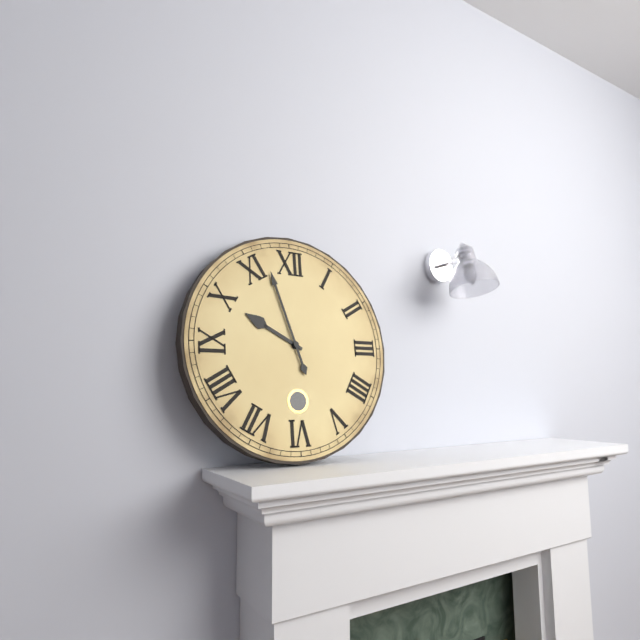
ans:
**9:57**
